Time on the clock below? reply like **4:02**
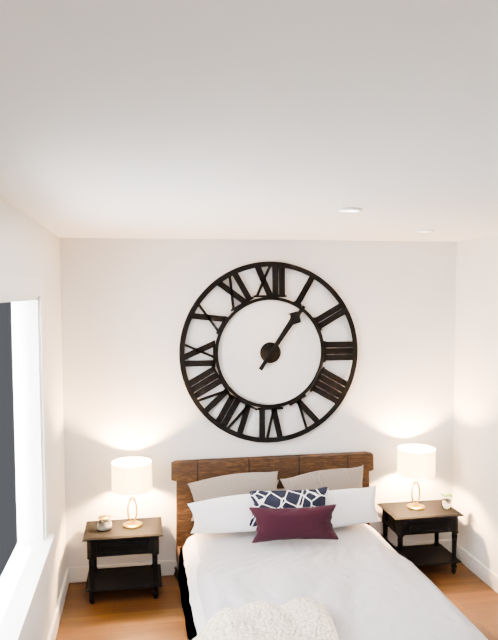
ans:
**1:06**
